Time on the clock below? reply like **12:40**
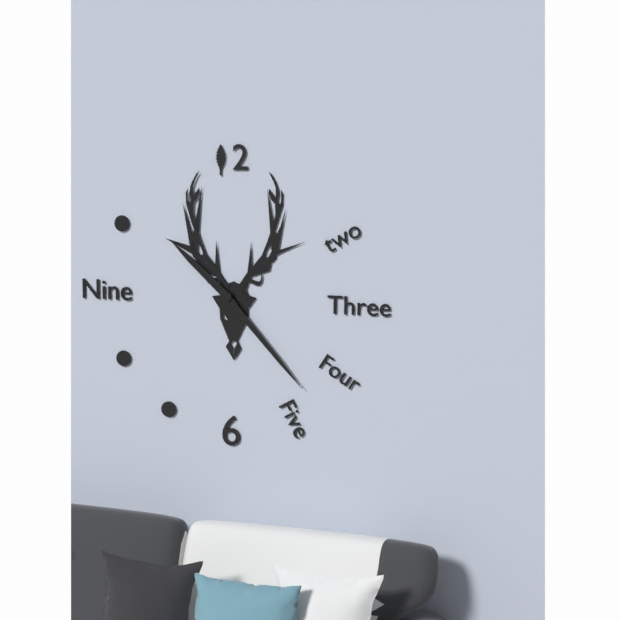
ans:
**10:23**
